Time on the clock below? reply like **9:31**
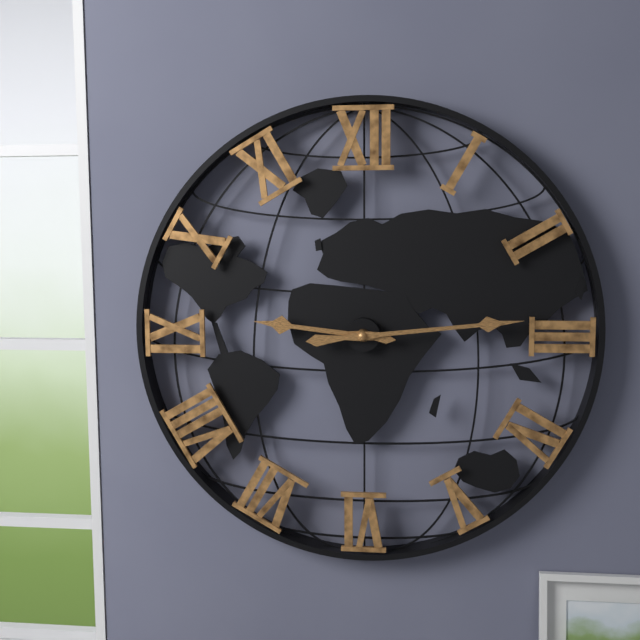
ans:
**9:14**
